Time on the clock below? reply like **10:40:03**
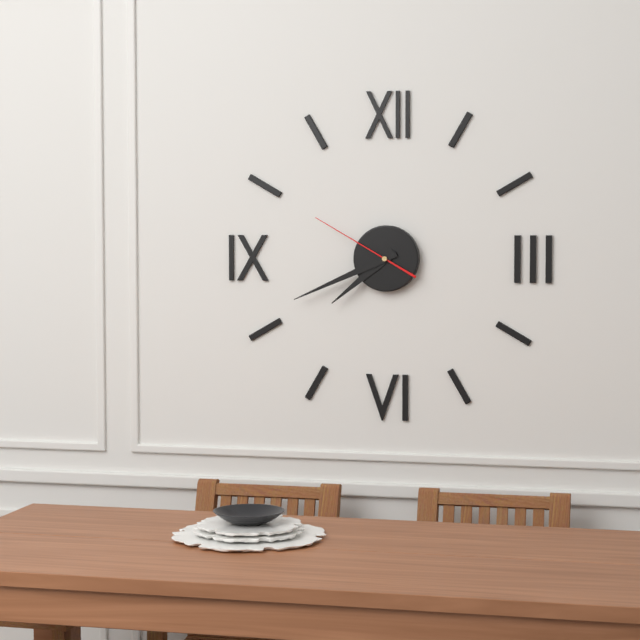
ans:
**7:41:50**
